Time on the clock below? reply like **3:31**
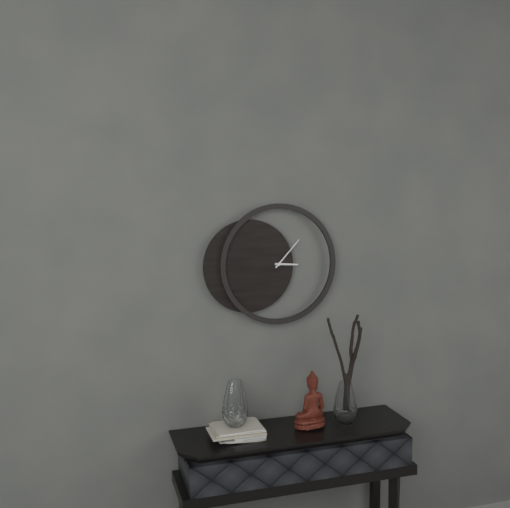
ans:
**3:07**
